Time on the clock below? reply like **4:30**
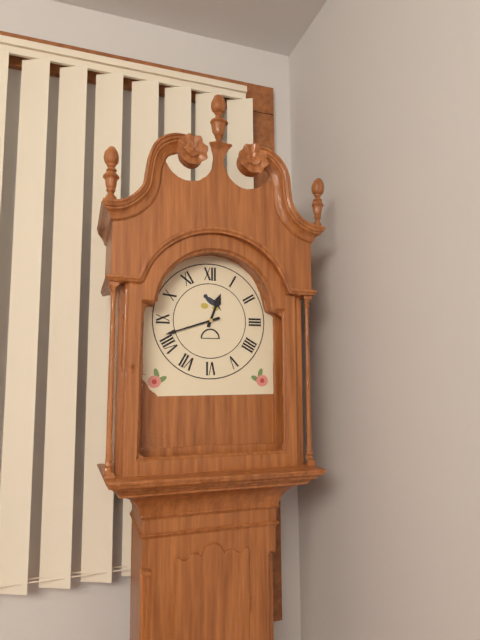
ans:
**12:42**
